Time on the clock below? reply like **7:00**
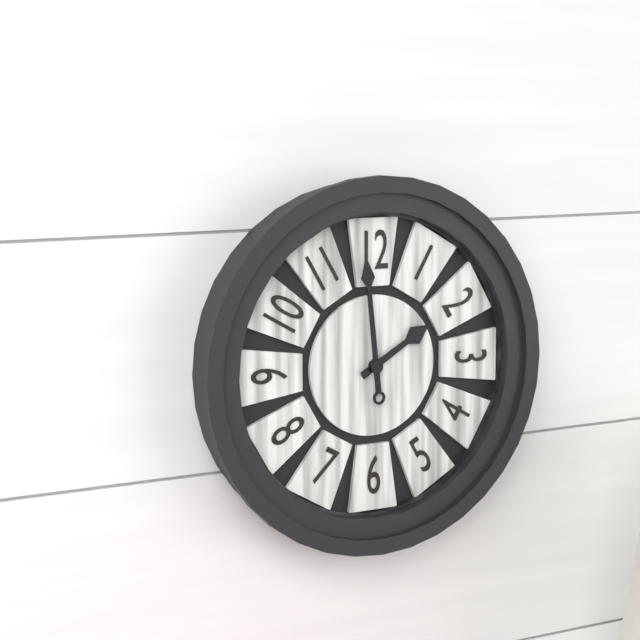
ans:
**1:59**
